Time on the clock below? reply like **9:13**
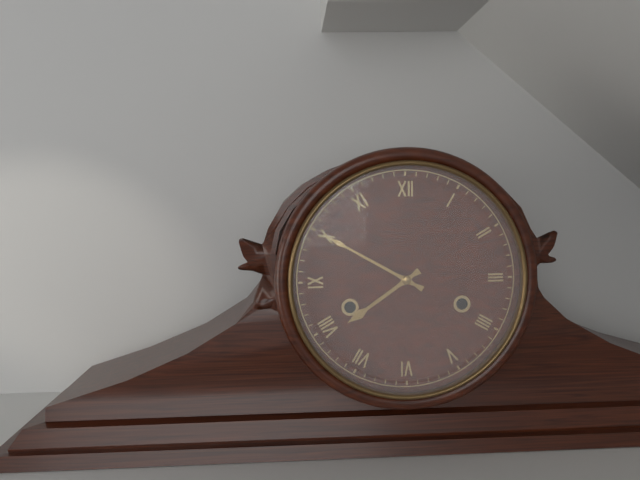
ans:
**7:50**
